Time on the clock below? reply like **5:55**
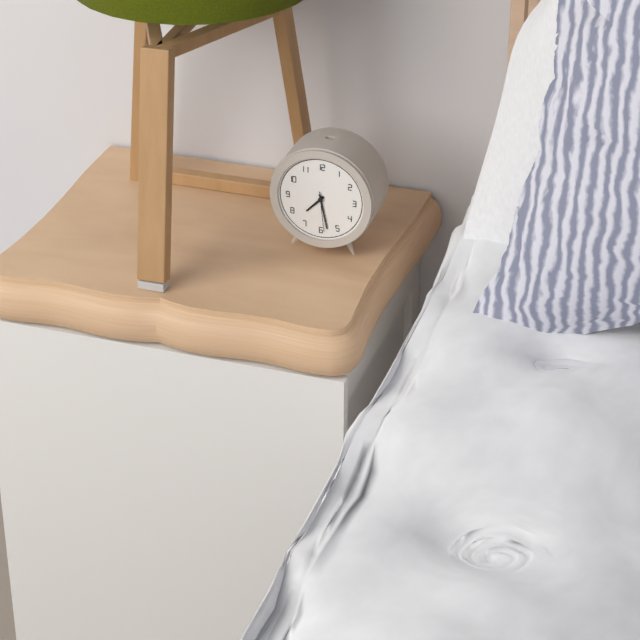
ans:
**7:28**
